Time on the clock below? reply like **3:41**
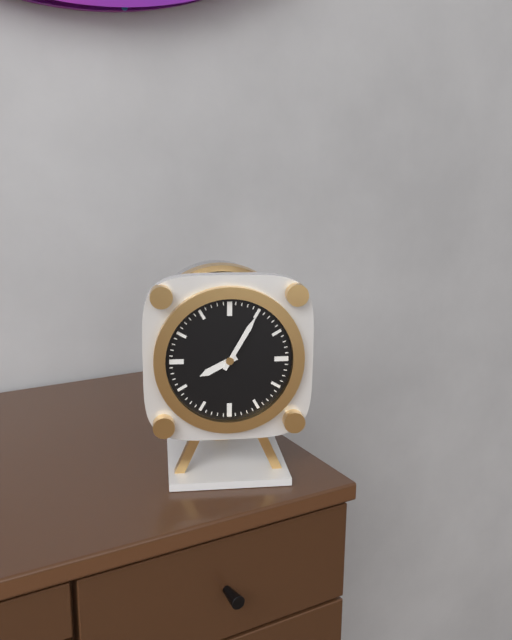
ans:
**8:05**
